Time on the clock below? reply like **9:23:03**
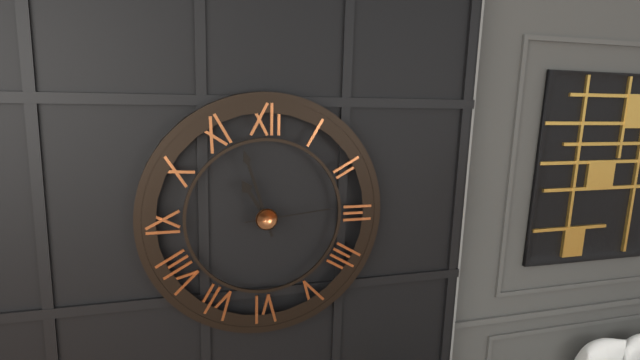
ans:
**10:57:14**
